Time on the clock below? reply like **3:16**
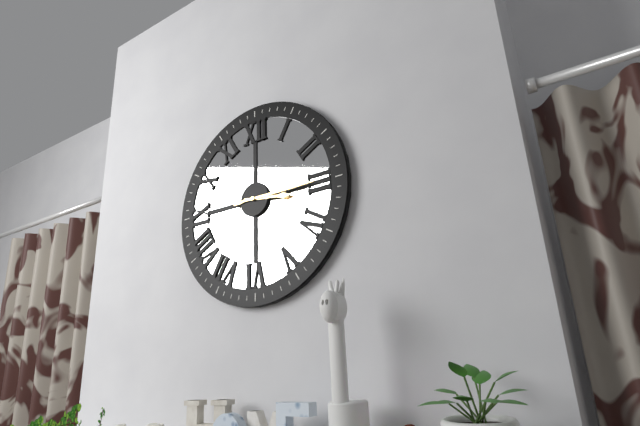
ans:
**3:15**
